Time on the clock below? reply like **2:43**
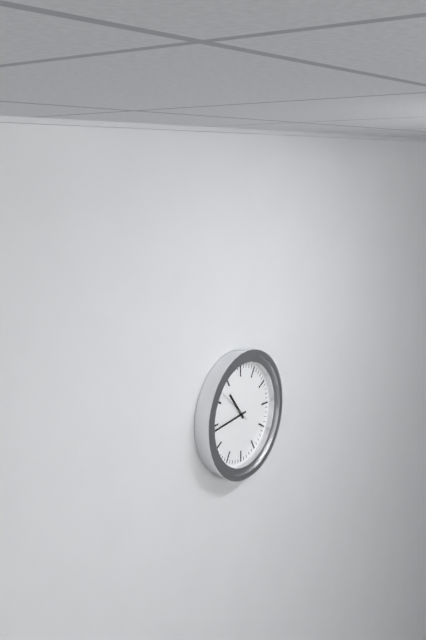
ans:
**10:44**
